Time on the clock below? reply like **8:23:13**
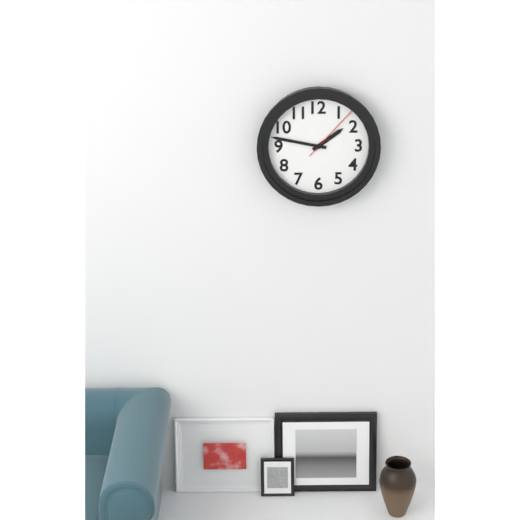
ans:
**1:47:07**
